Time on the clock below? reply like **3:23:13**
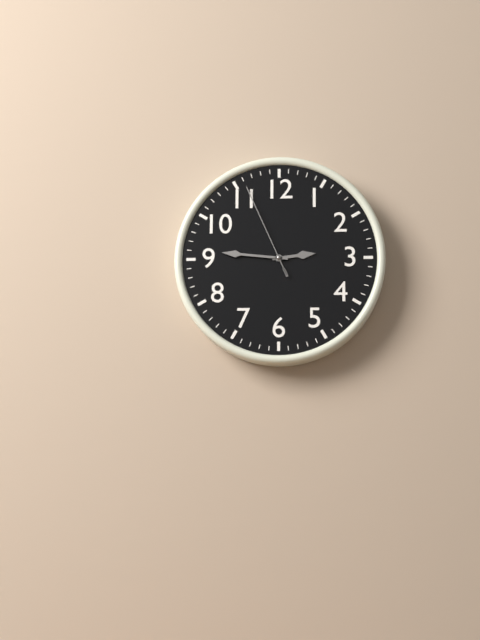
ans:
**2:46:56**
